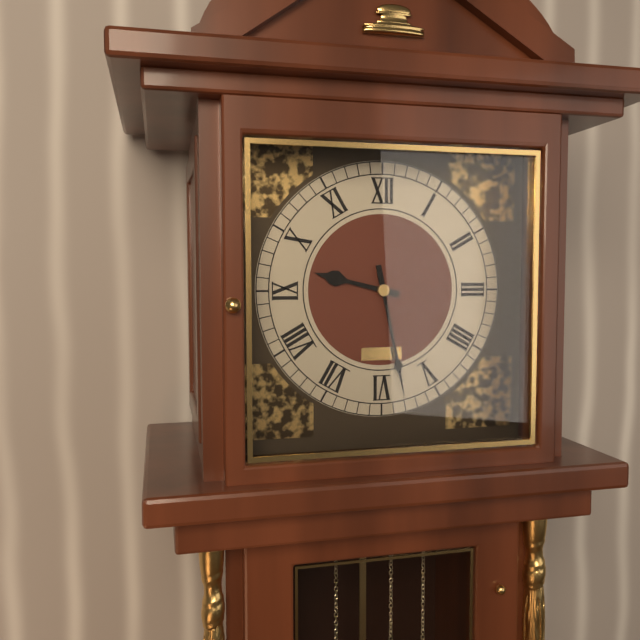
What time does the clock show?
9:28
